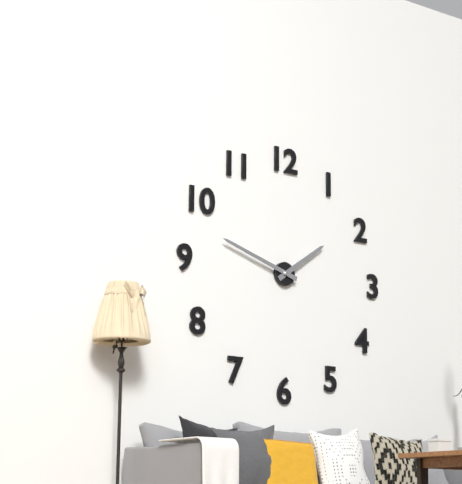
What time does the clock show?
1:48
